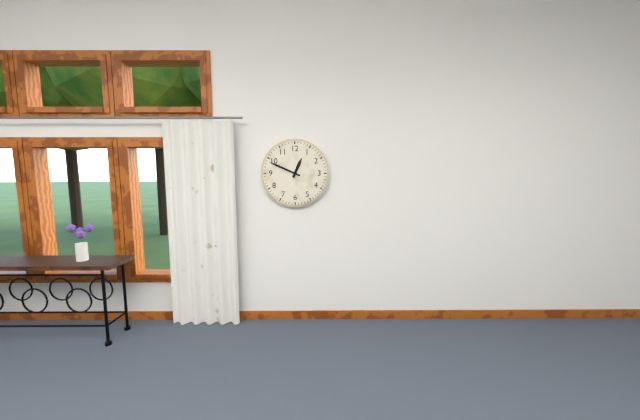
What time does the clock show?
12:49
